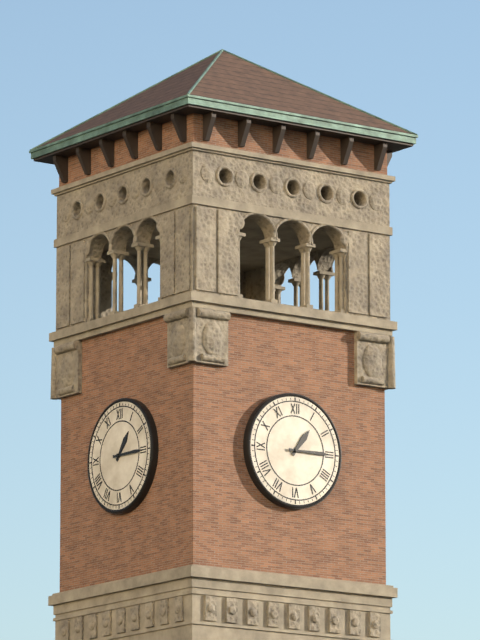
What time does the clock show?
1:15
